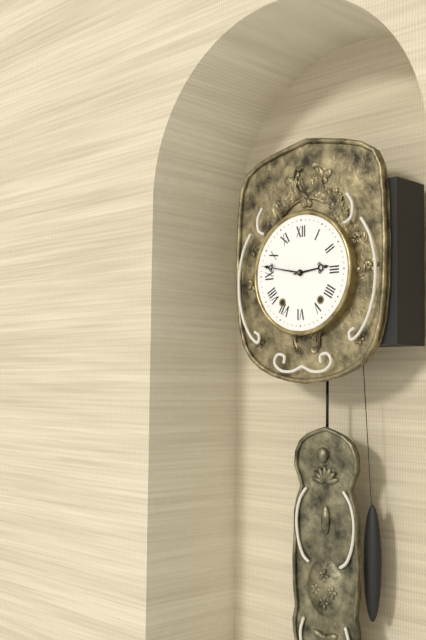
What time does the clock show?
2:47
